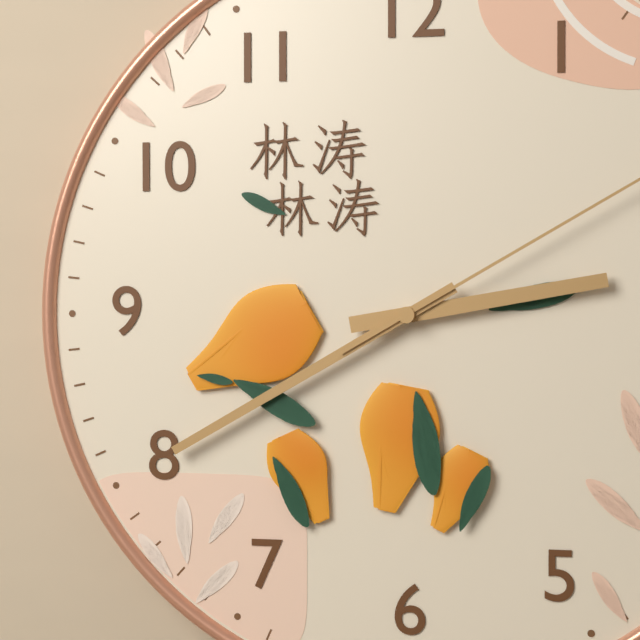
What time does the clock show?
2:40
